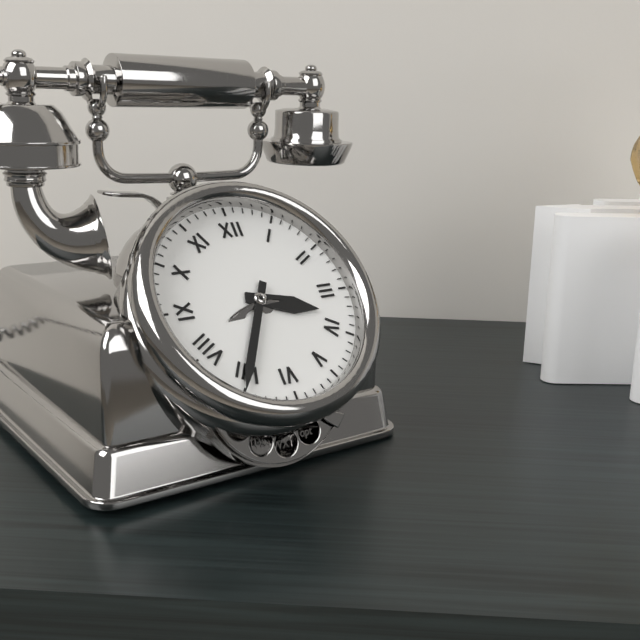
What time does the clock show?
3:35
